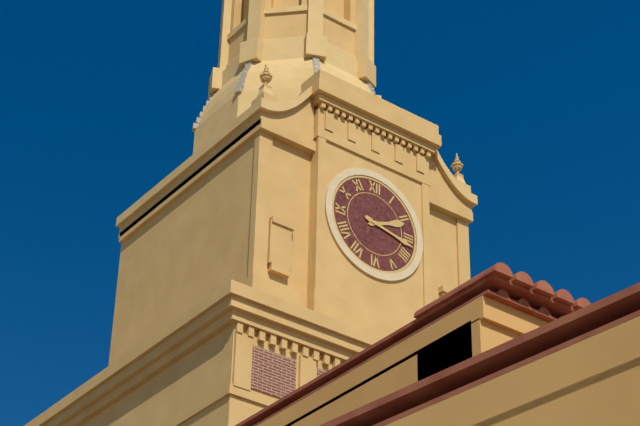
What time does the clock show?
2:17
